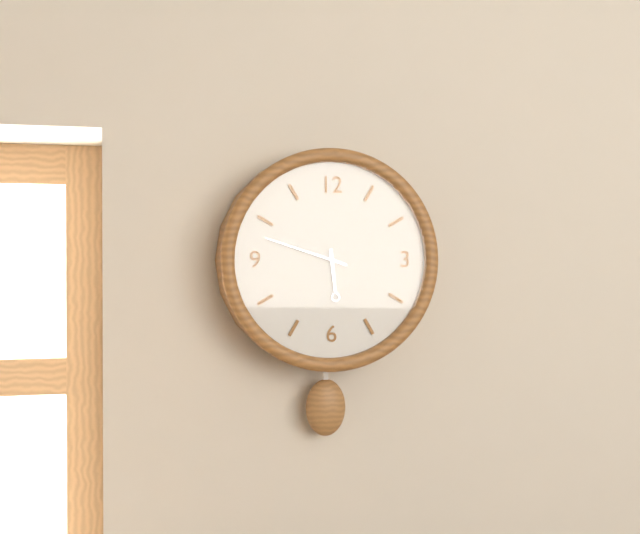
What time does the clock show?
5:48
